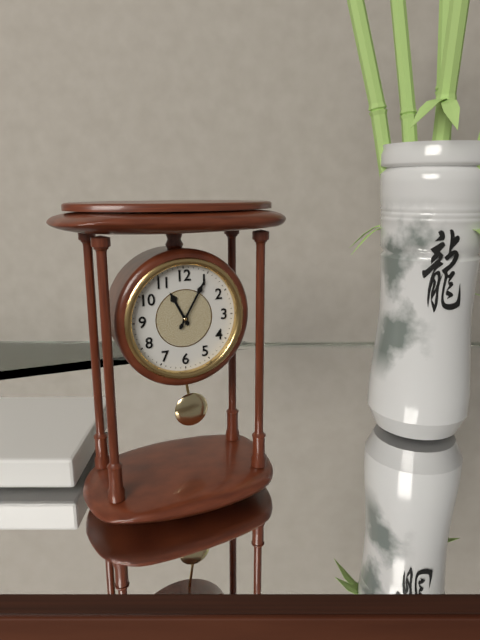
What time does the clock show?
11:05
